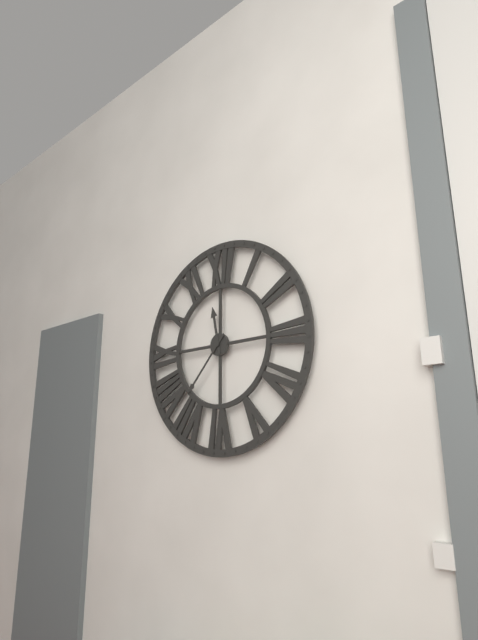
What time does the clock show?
11:37
